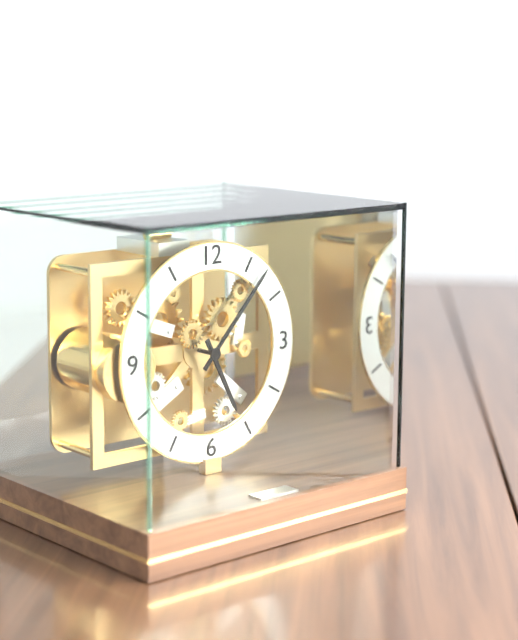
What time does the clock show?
5:07
